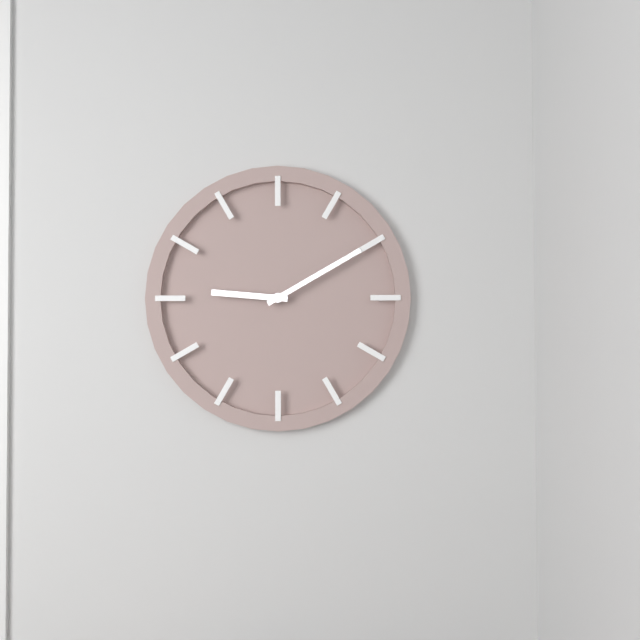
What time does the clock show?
9:10
